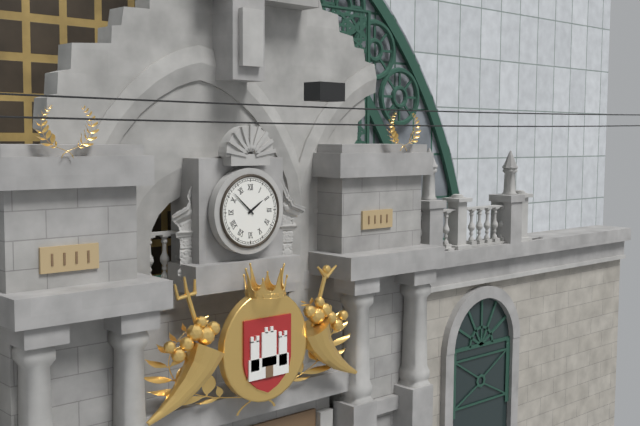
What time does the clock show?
1:52
